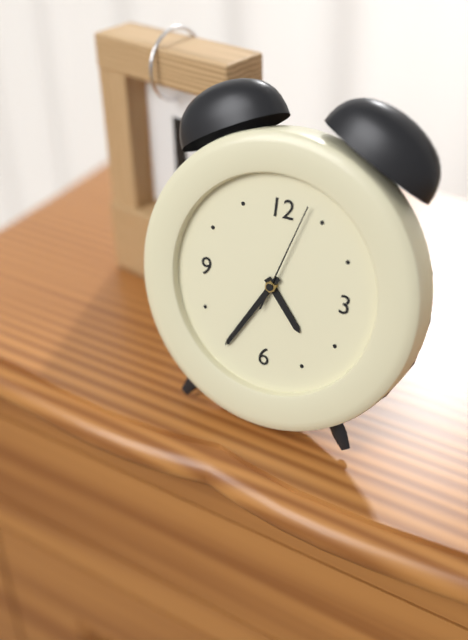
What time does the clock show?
4:35:03
